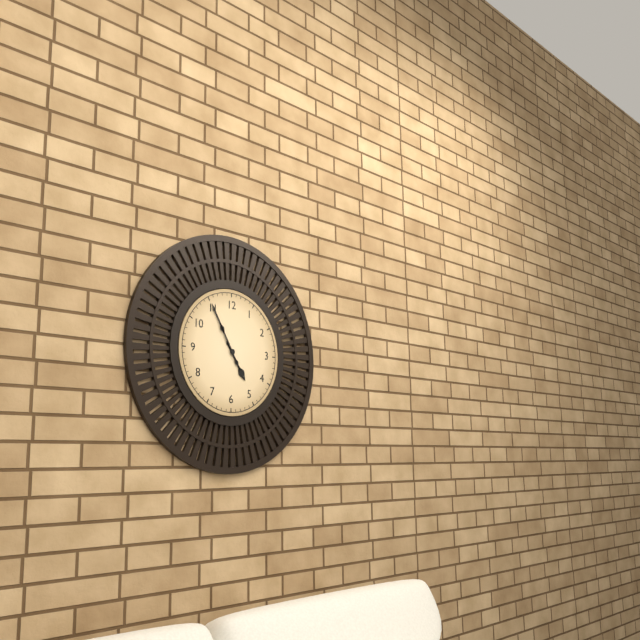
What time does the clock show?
4:55
